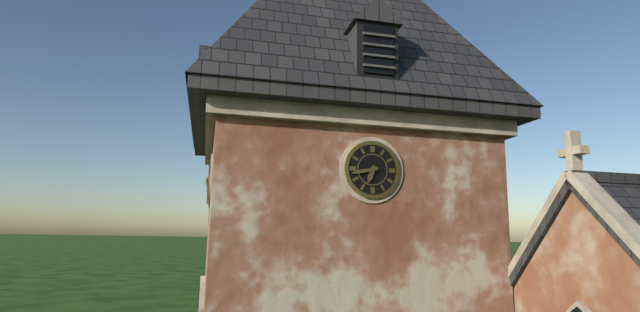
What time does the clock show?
6:43
